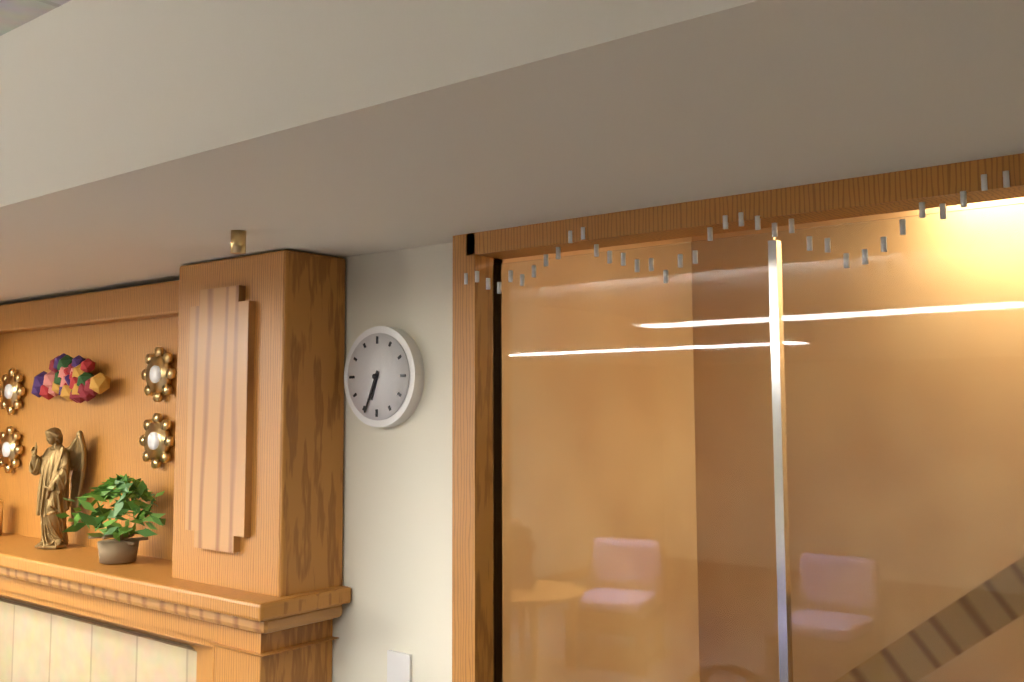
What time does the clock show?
6:34
